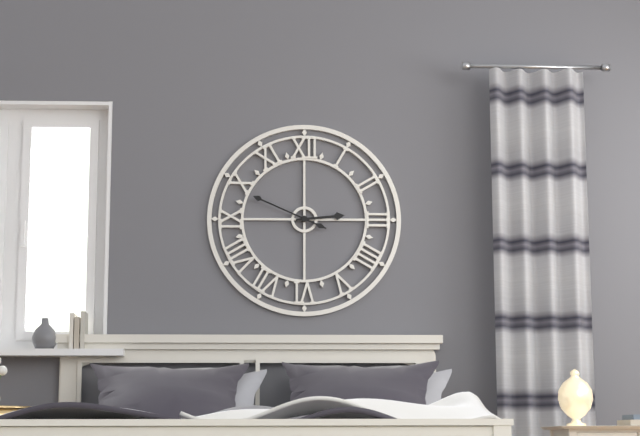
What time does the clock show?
2:49
